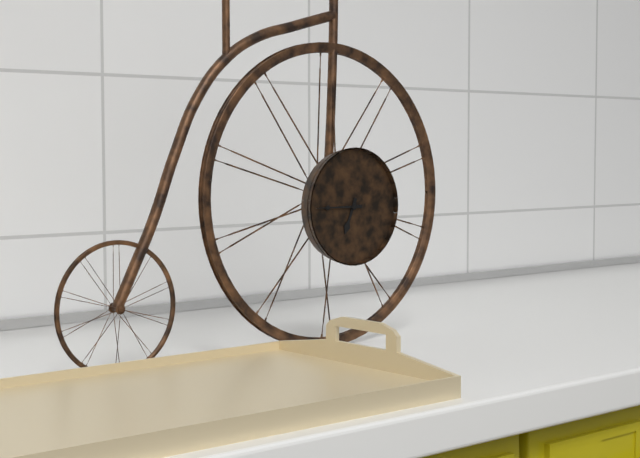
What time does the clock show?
6:45
